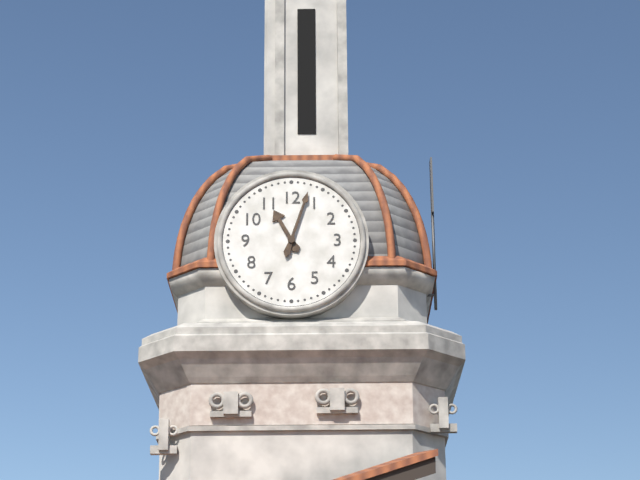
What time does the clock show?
11:03
